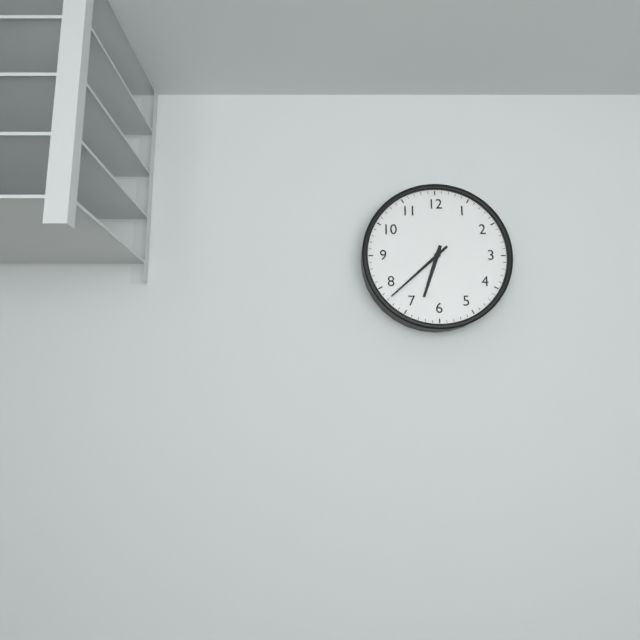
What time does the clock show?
6:38
